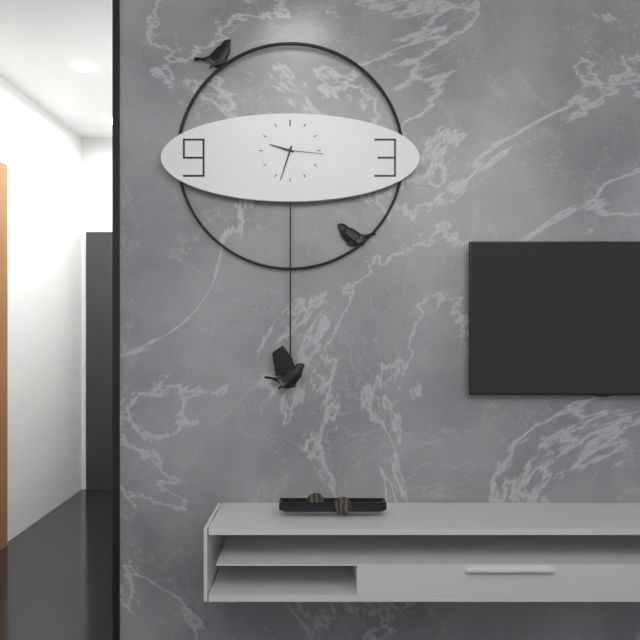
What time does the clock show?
9:33
